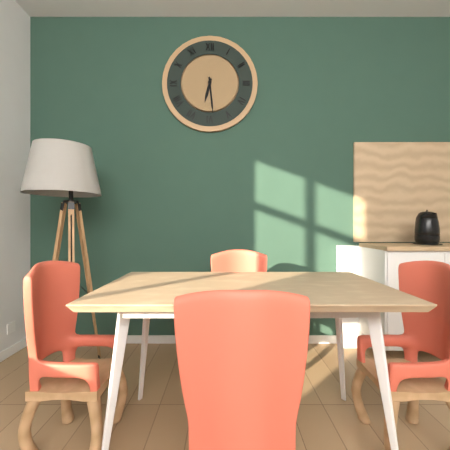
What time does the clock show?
6:29
